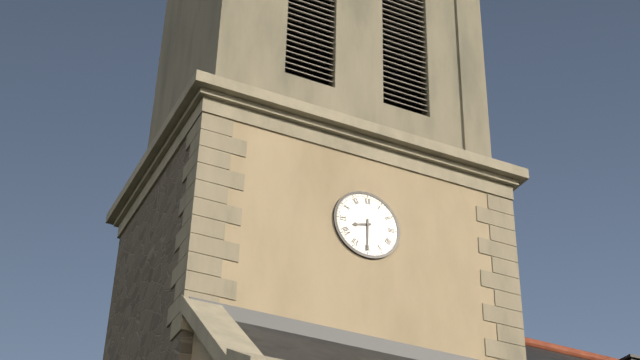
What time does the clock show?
8:30
